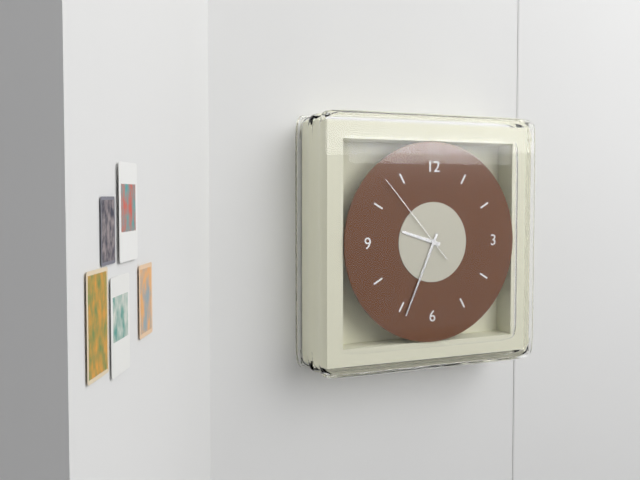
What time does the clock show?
9:34:53
